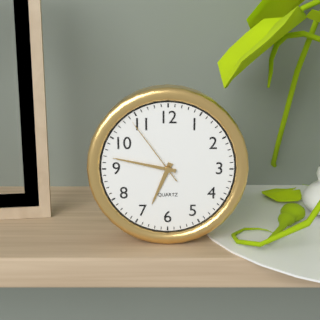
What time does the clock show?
6:47:54
